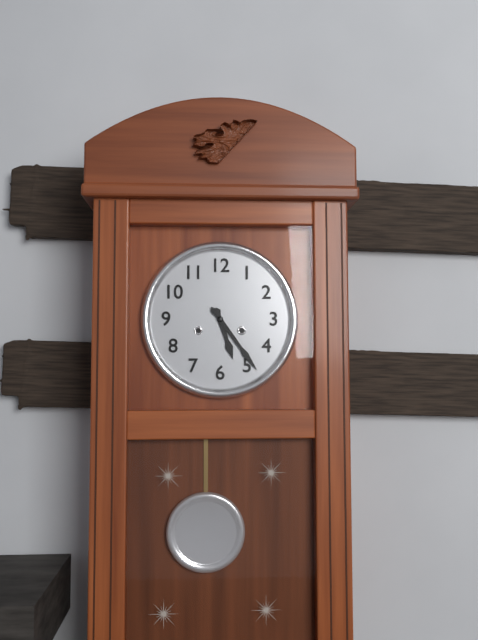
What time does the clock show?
5:24
